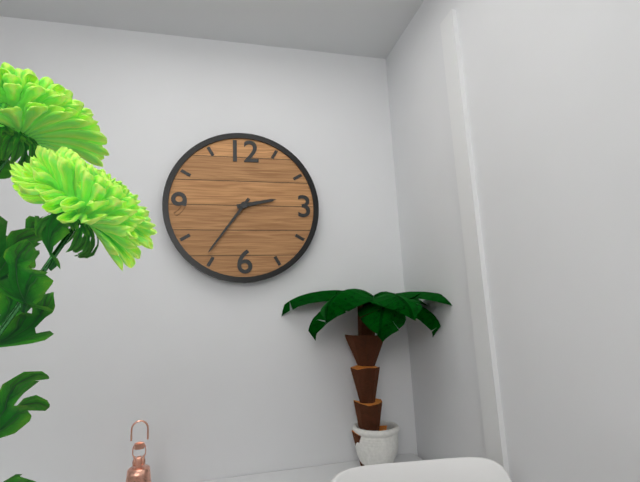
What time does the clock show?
2:36
